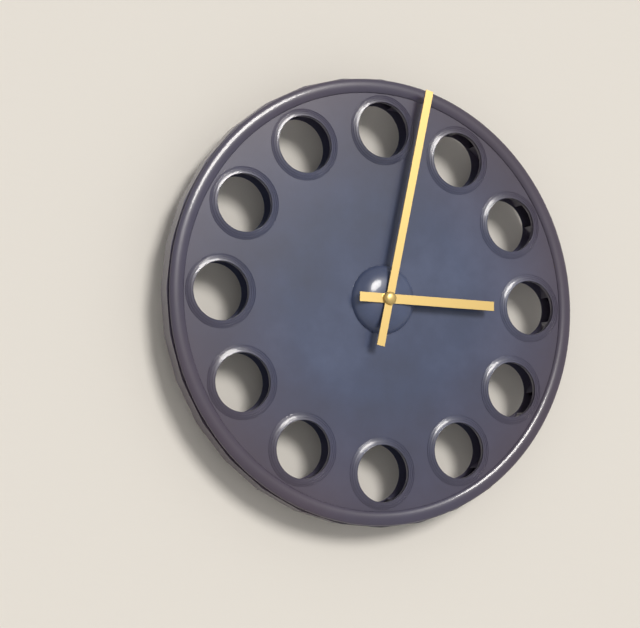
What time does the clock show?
3:02
